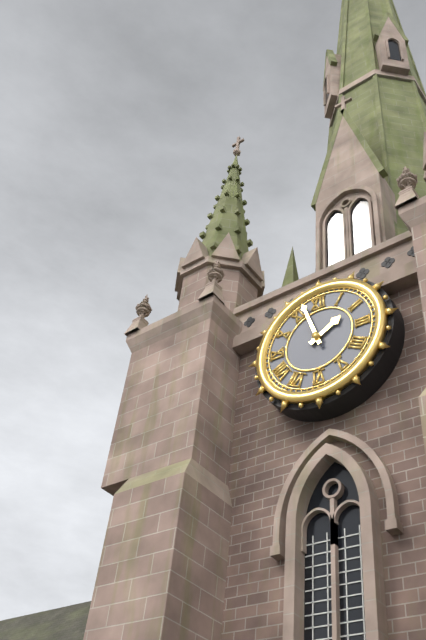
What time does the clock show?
1:57
